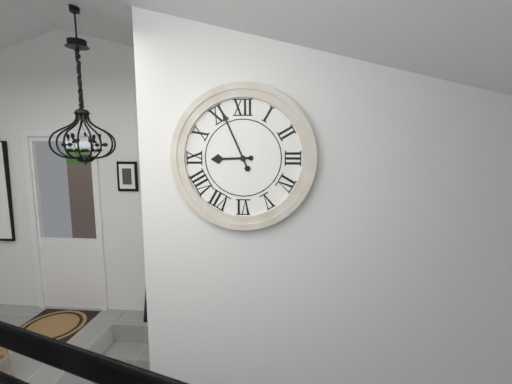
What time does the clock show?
8:56
